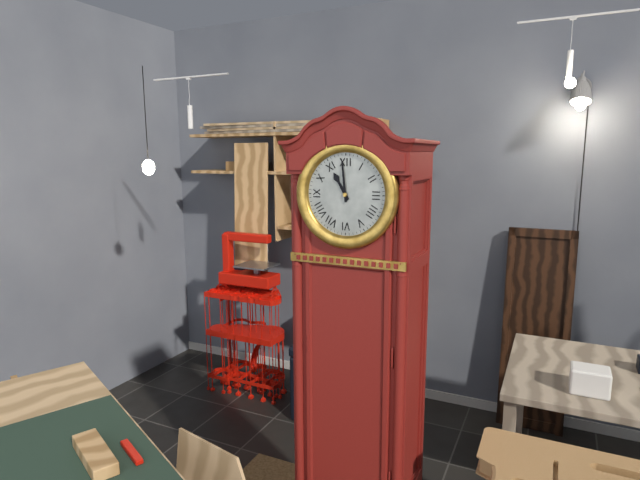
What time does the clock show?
10:59
